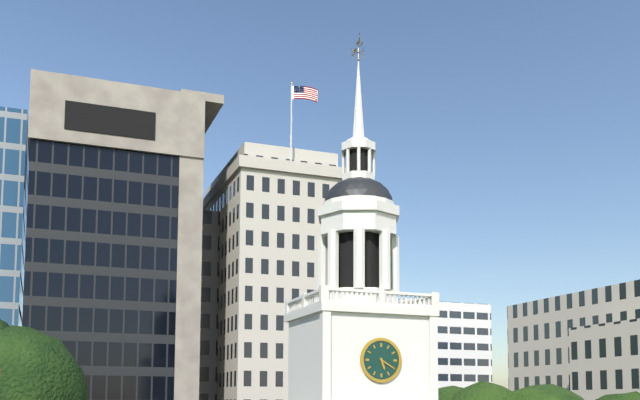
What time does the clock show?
5:20
